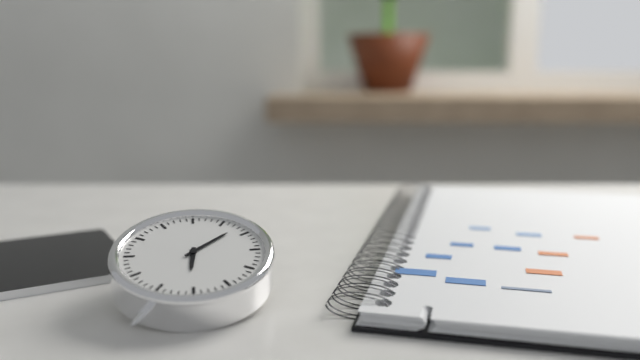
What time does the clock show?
6:08
